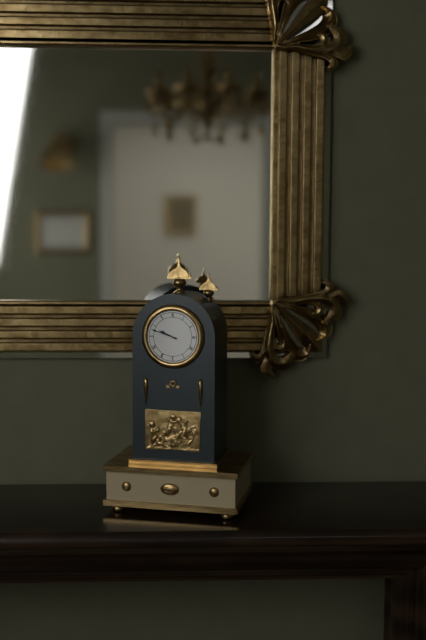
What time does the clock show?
9:48
